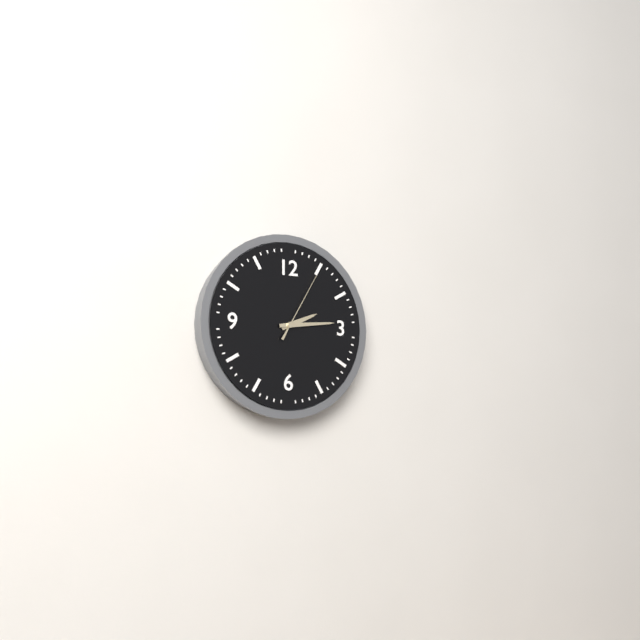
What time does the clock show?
2:14:05
